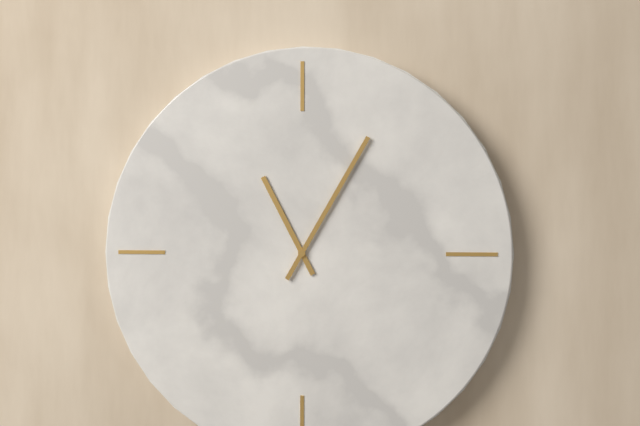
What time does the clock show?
11:05
